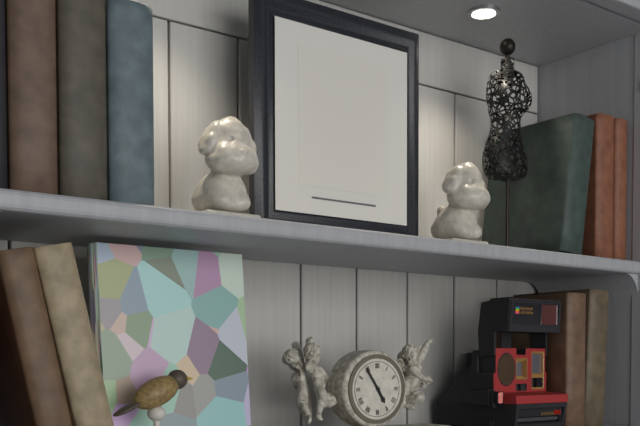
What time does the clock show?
4:54
